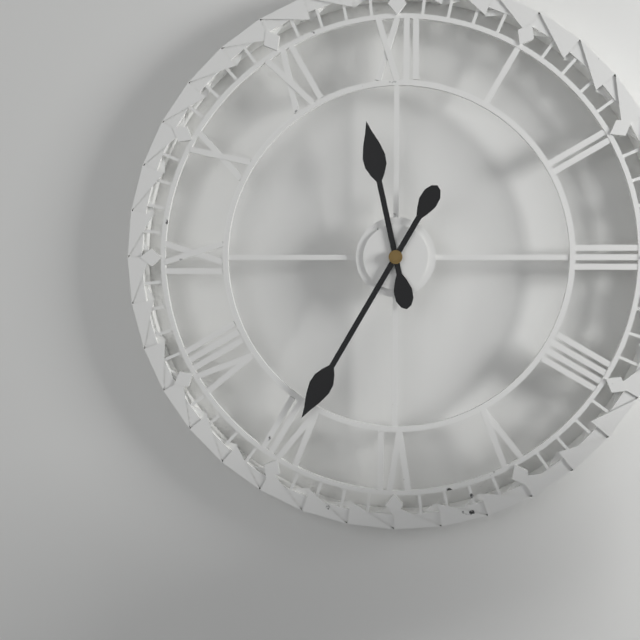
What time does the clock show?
11:35
